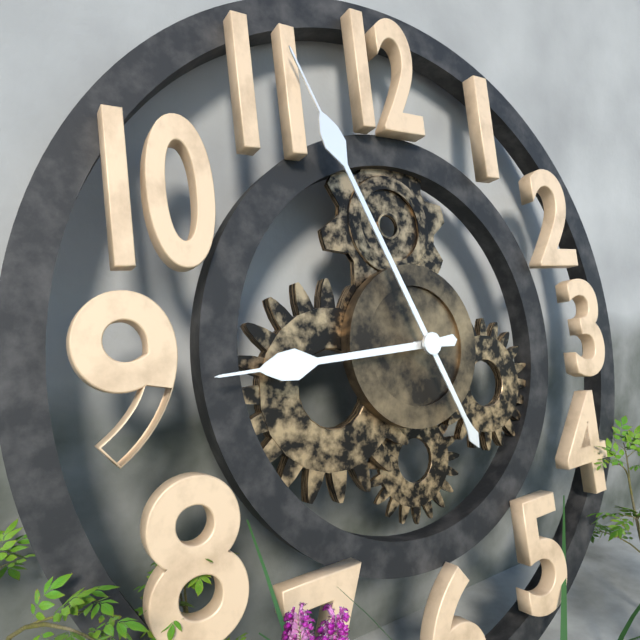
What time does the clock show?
8:56
